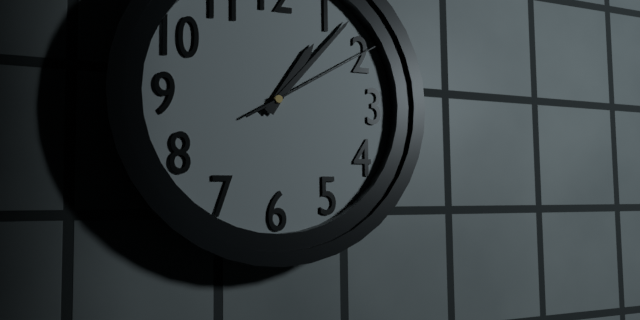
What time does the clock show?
1:07:10
